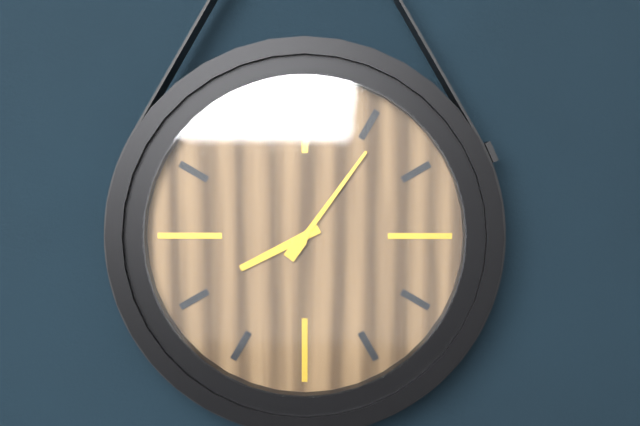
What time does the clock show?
8:06
